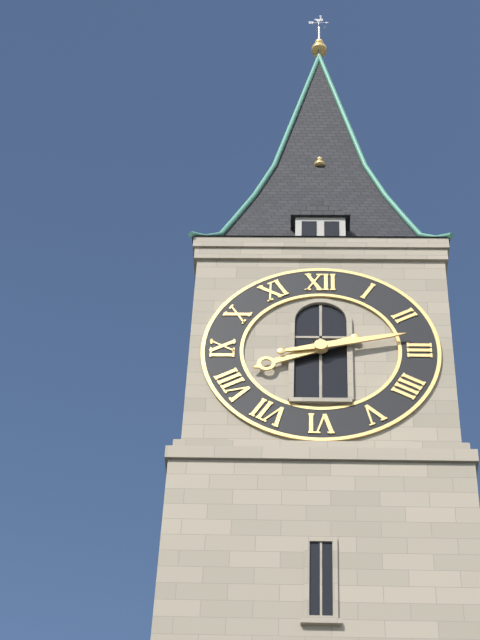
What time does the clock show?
8:13
